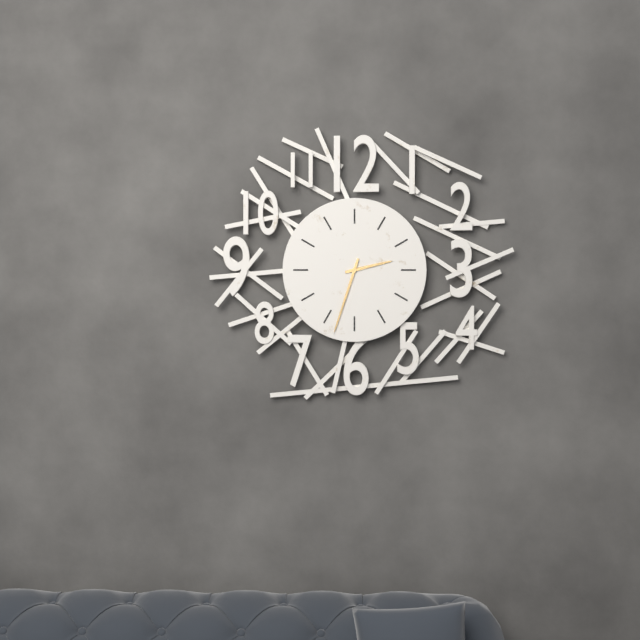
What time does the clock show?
2:33
